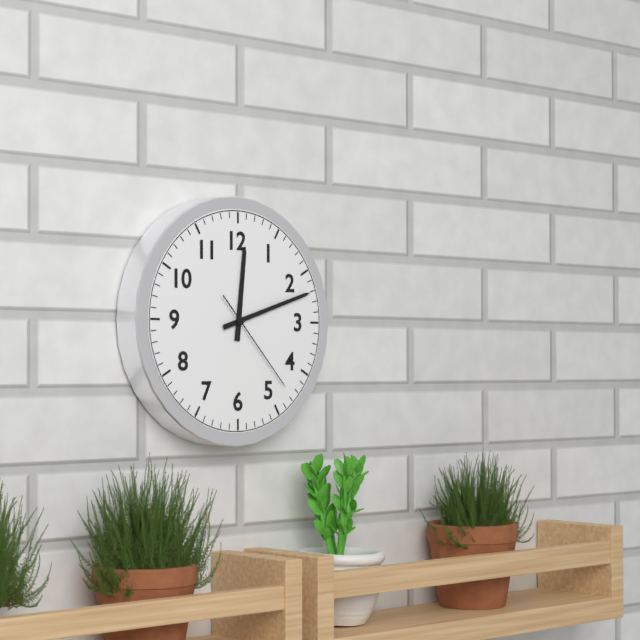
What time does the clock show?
12:12:23
